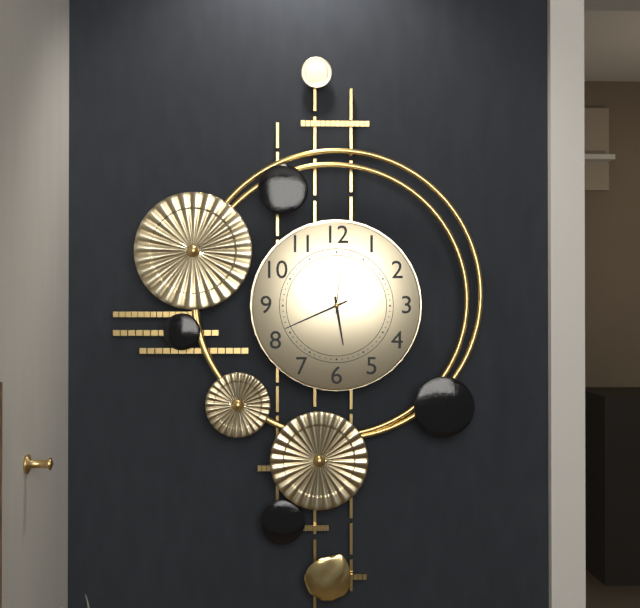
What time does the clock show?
5:41
